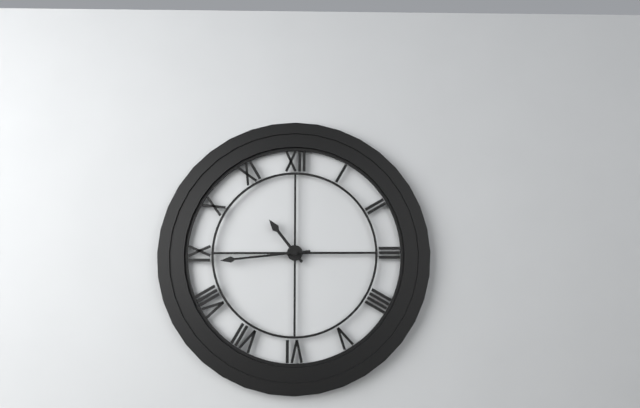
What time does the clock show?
10:44
